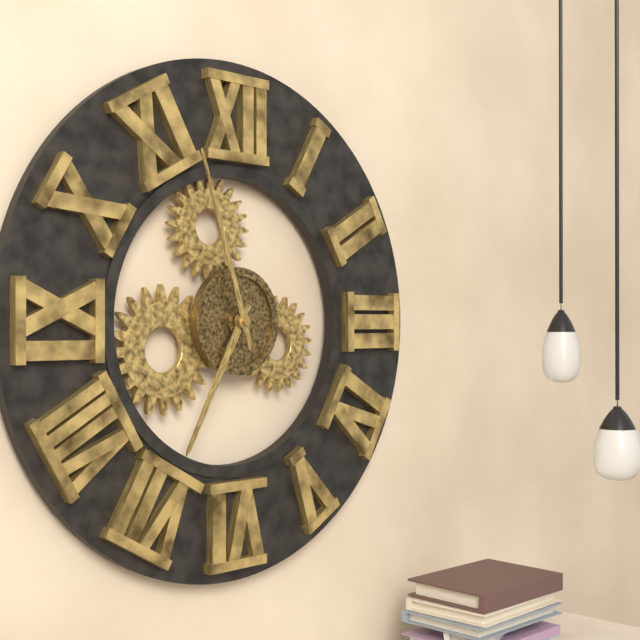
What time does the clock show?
6:57
